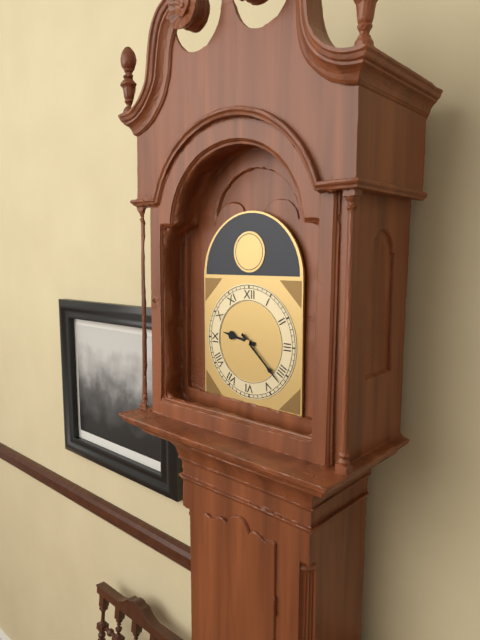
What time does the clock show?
9:22
